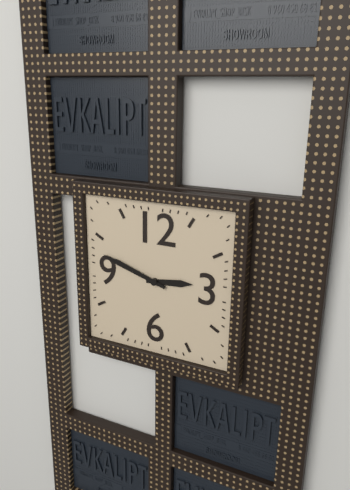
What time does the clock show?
2:48
